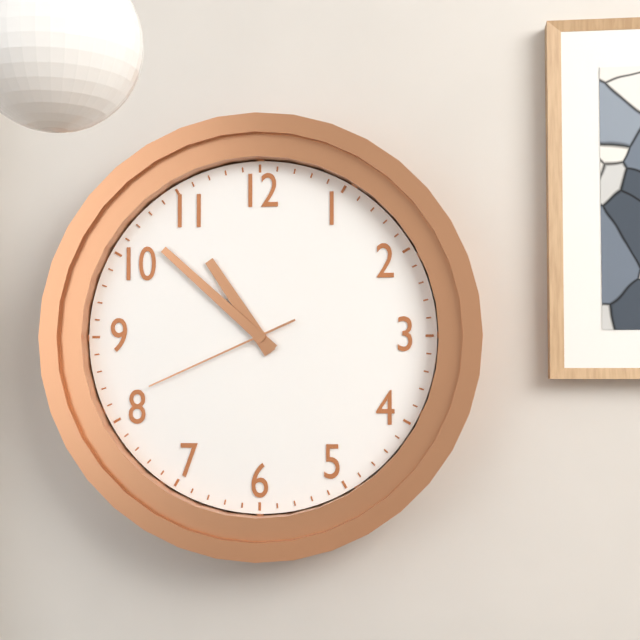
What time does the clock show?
10:52:41
